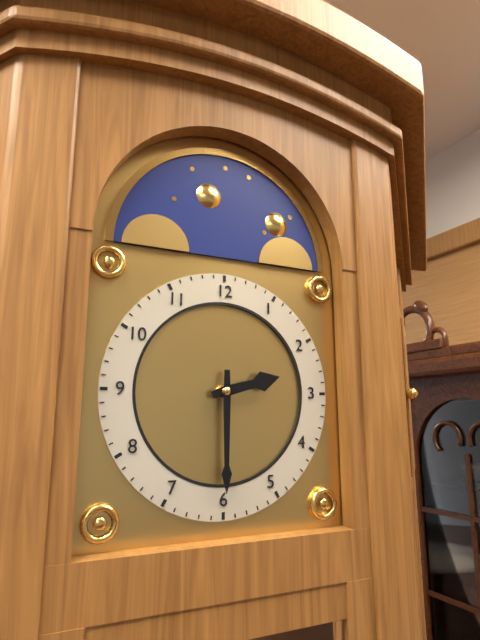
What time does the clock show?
2:30
